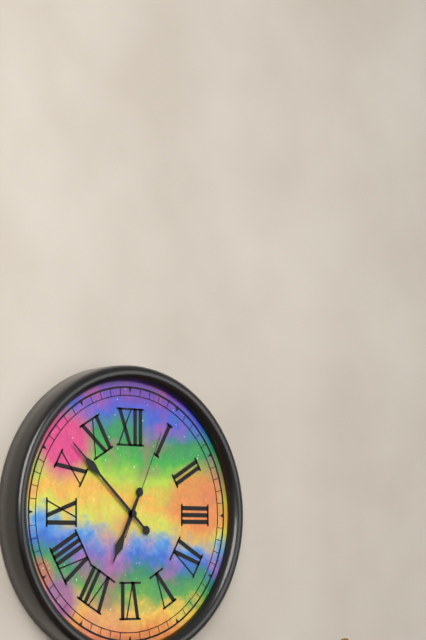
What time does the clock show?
6:52:04
